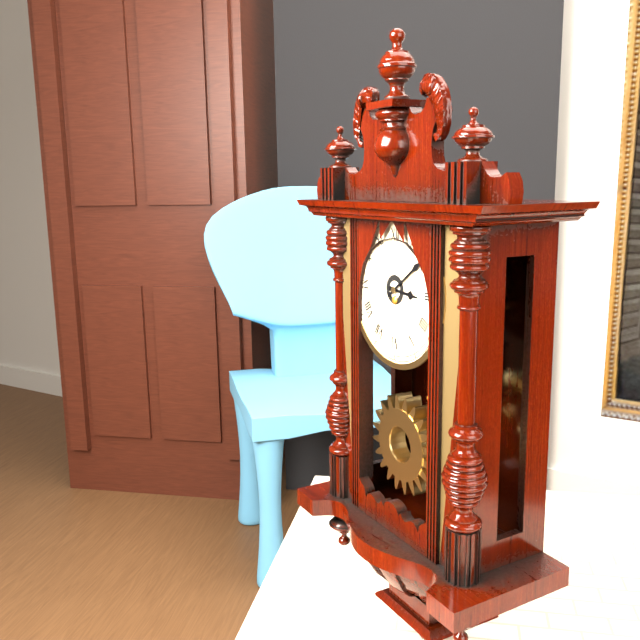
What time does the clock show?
3:09
